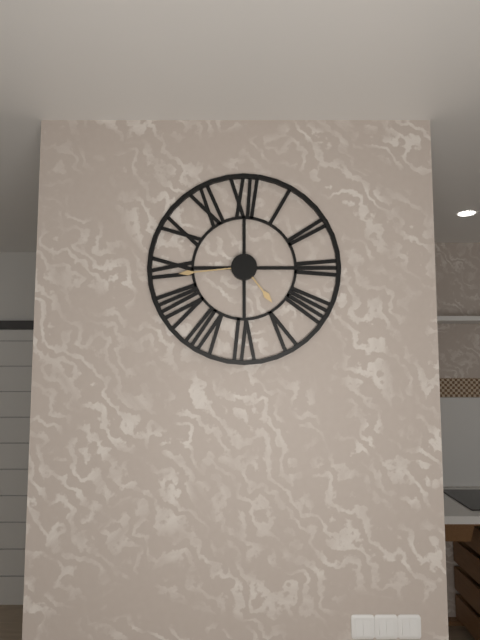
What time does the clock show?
4:44
